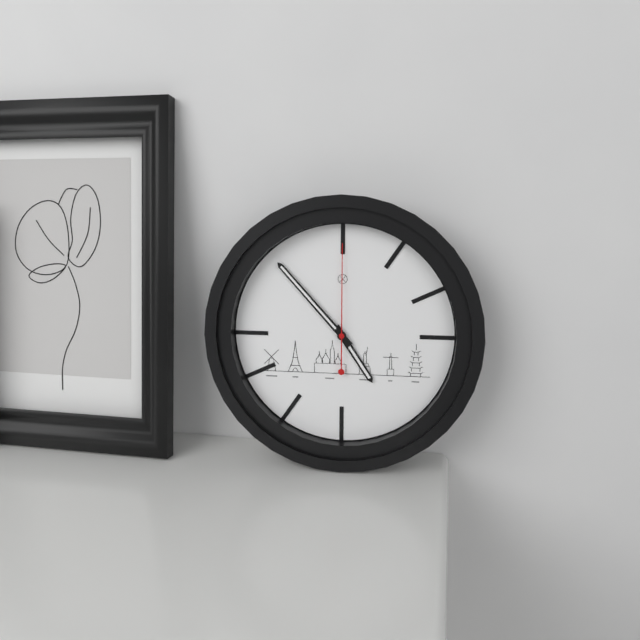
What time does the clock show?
4:53:00
